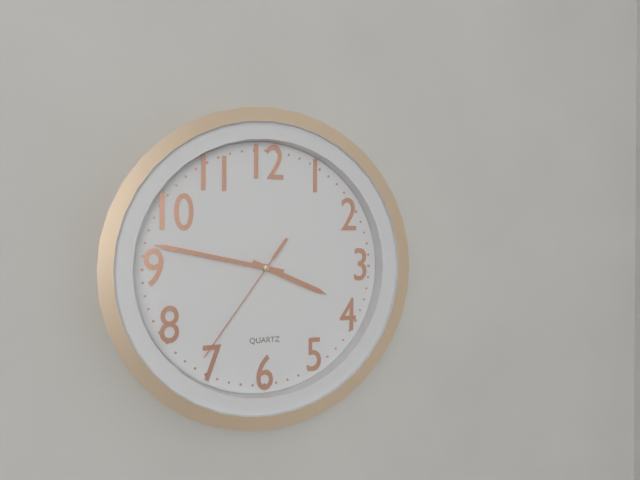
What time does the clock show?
3:47:36
